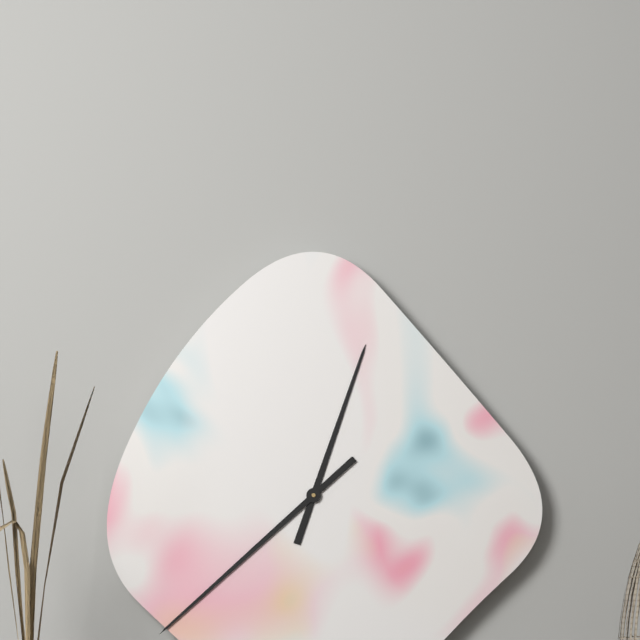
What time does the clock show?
12:38
